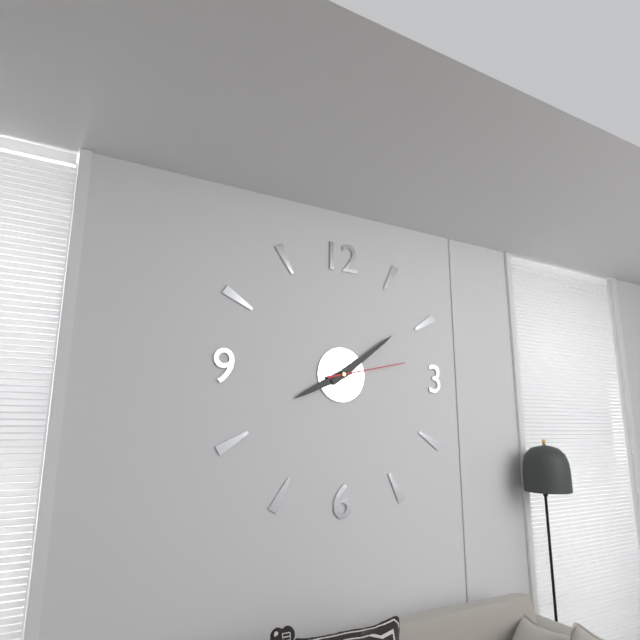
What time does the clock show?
8:09:13
